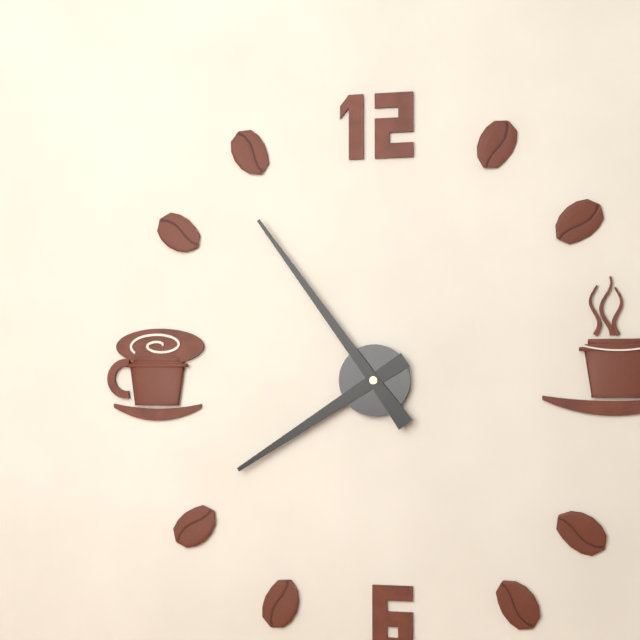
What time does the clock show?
7:54
